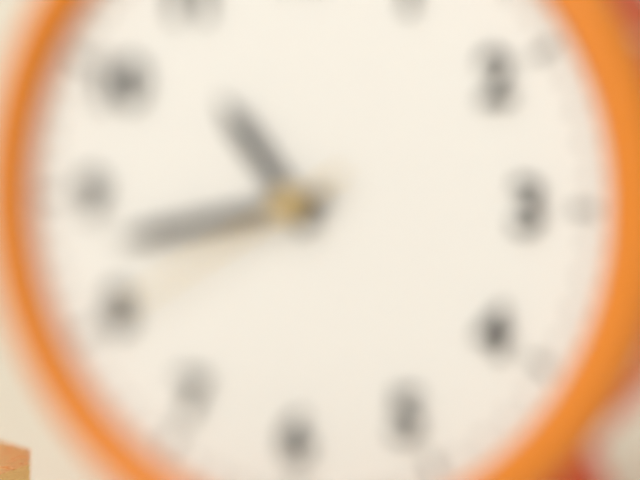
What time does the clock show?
10:43:40
